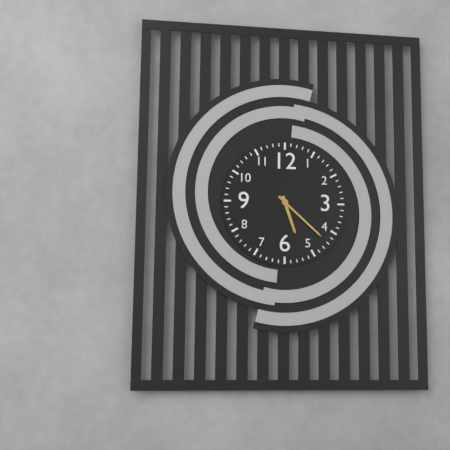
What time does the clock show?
5:22
